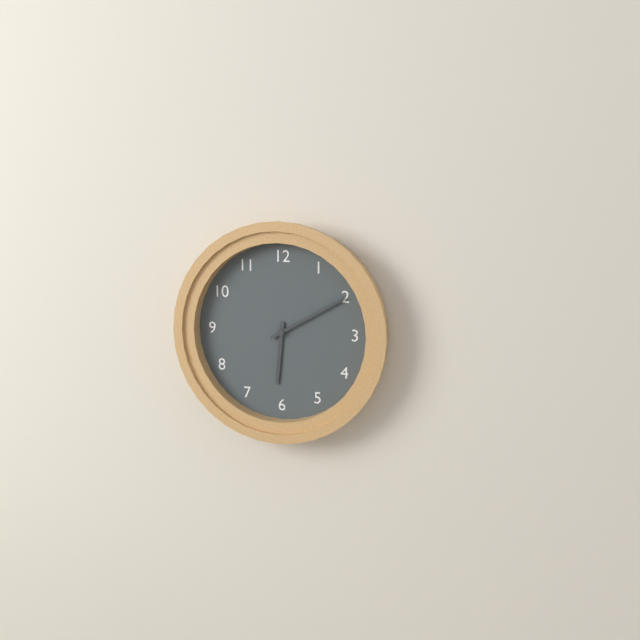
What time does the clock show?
6:10
